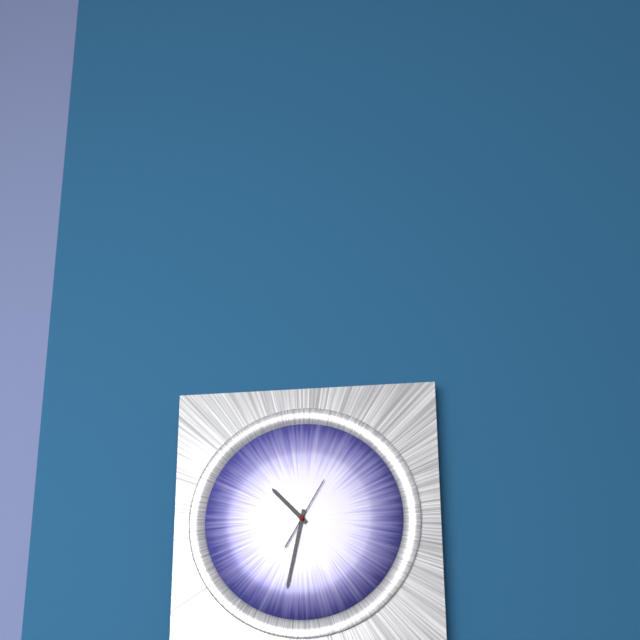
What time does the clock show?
10:32:05
